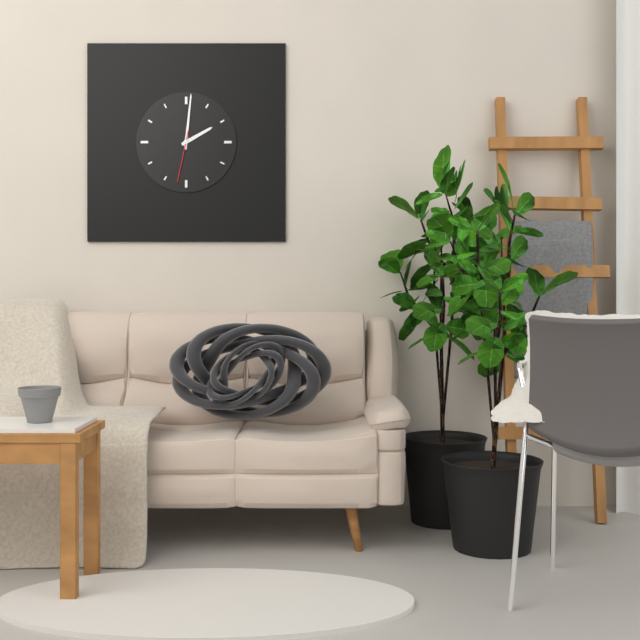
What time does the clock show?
2:01:32
